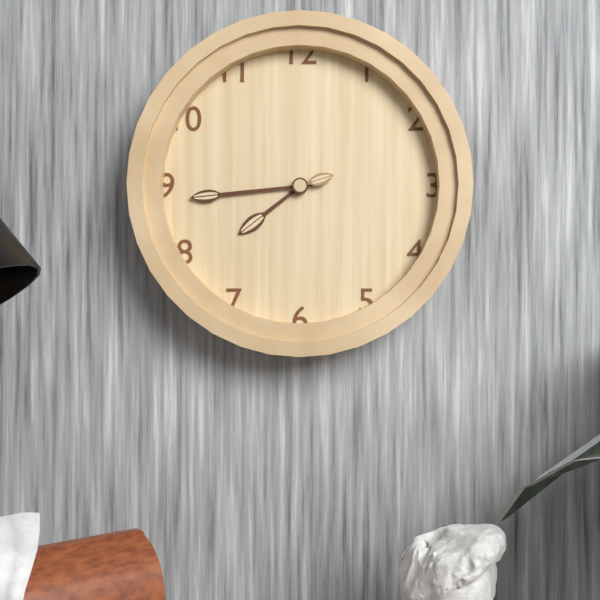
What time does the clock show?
7:44
